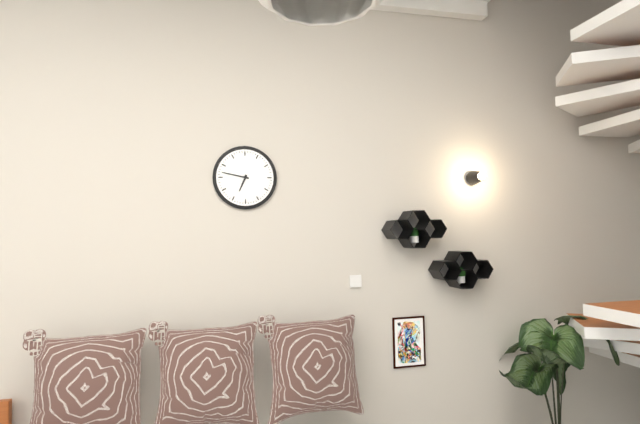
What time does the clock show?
6:47
